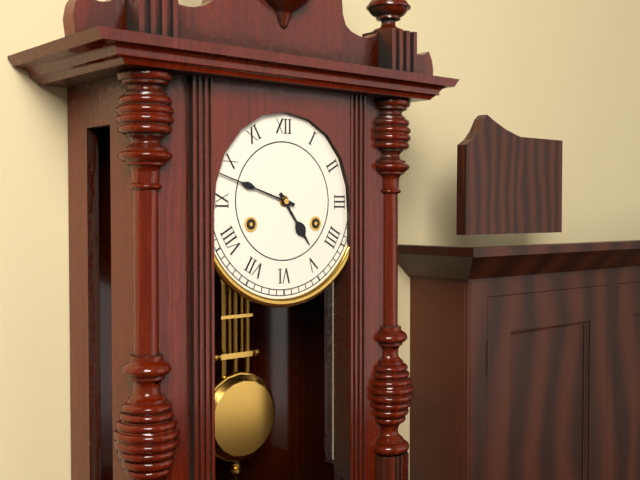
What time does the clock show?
4:48
